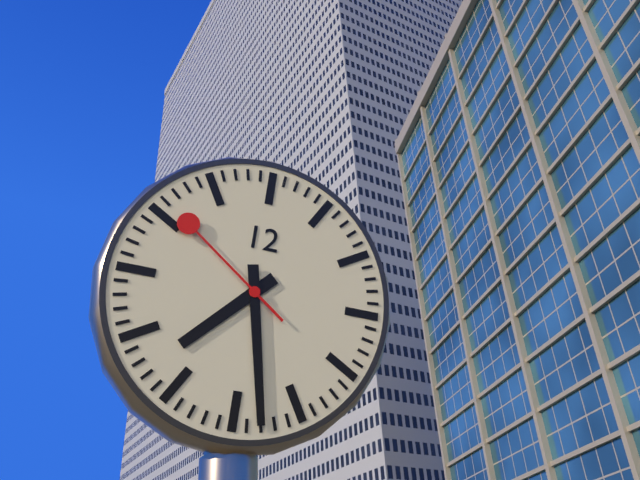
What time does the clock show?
7:28:51
